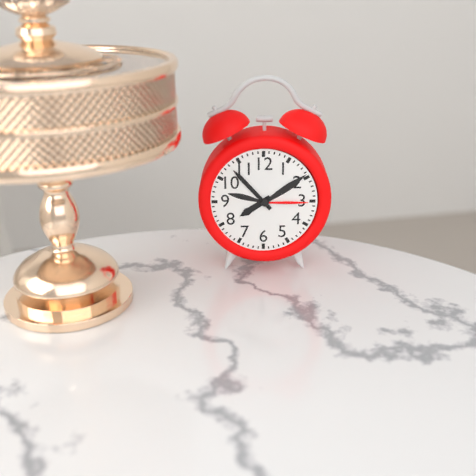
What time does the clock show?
7:53
